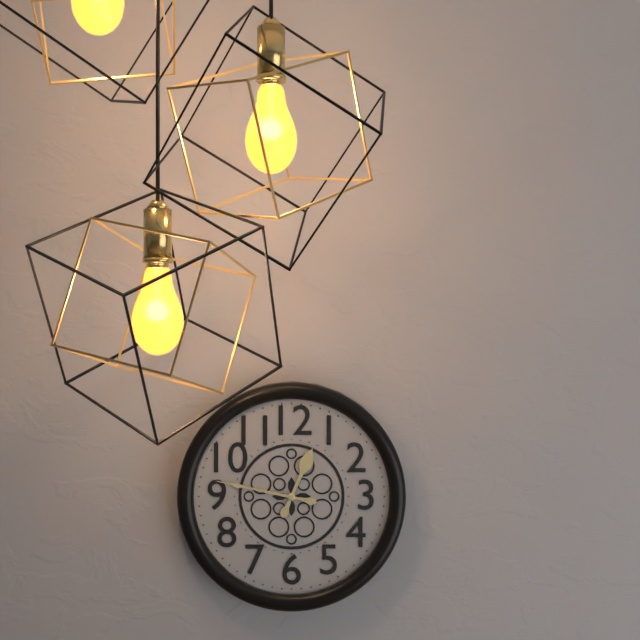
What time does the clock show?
12:47
